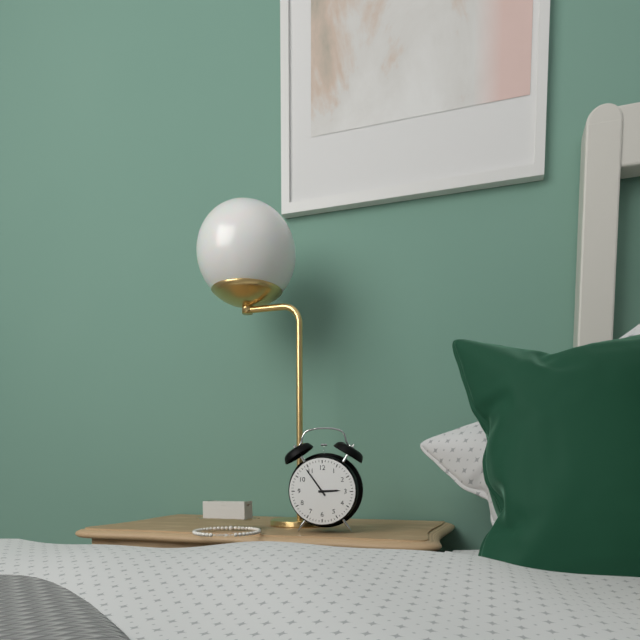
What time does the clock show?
2:54
